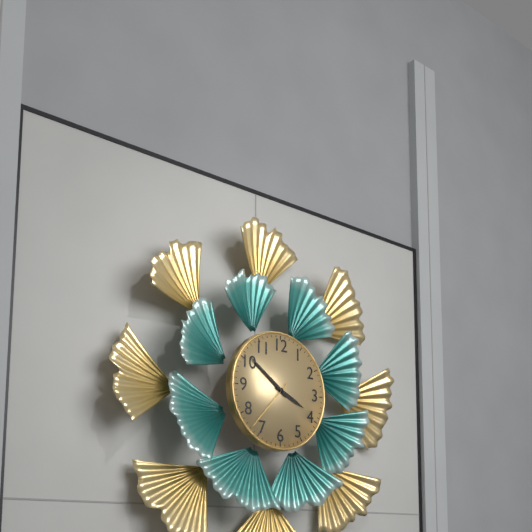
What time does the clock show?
3:51:37
